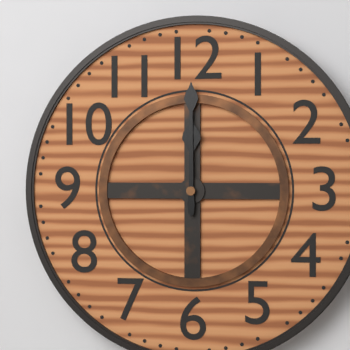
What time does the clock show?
12:00
